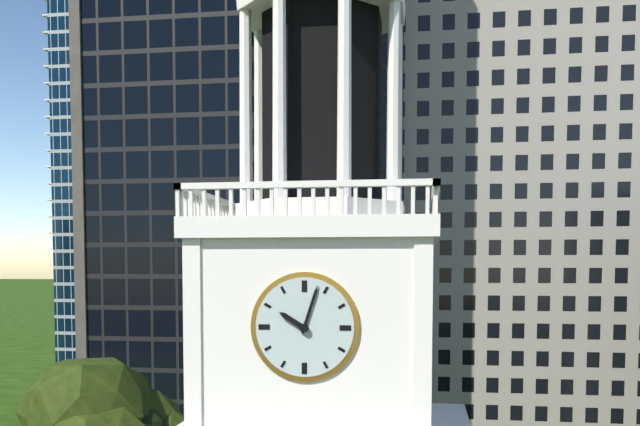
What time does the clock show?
10:03
